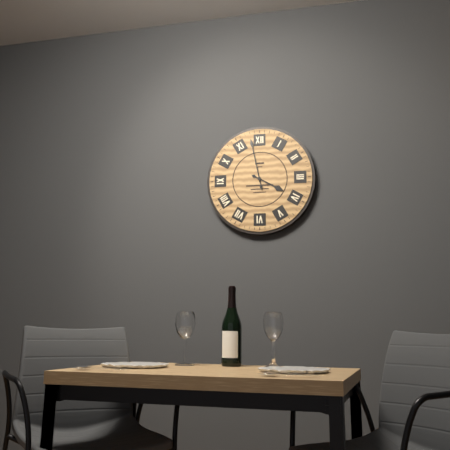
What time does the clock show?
3:58
